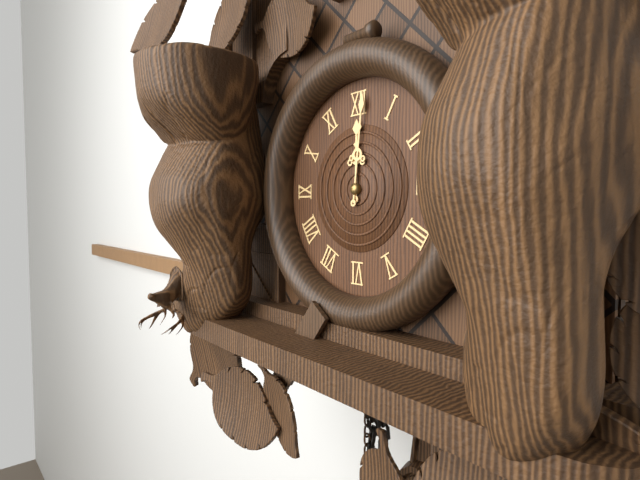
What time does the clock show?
12:01
